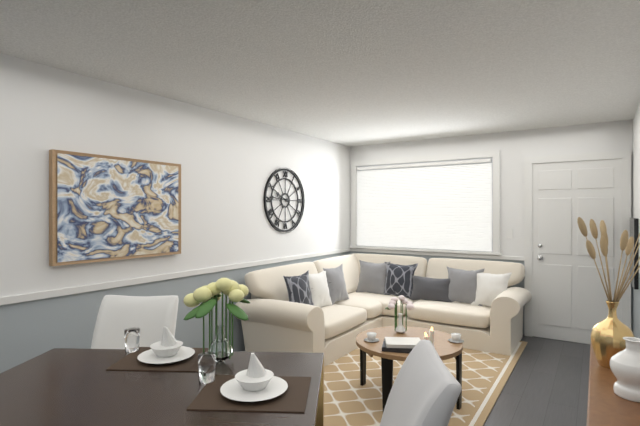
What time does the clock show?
9:46
